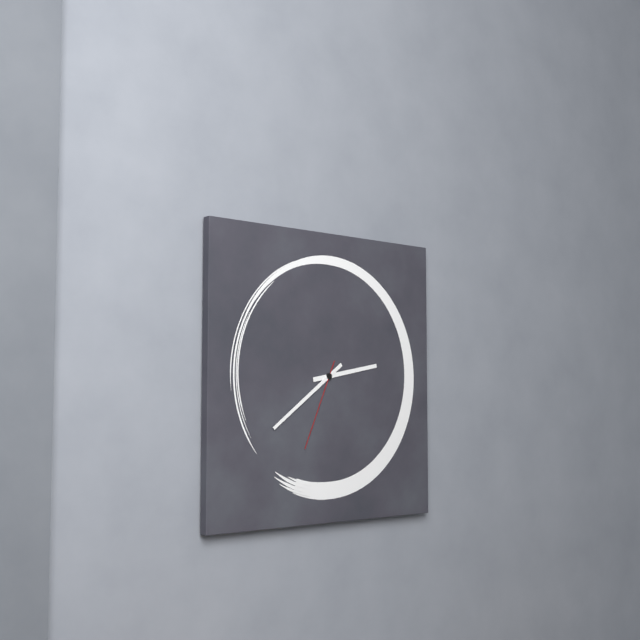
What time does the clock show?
2:39:34
